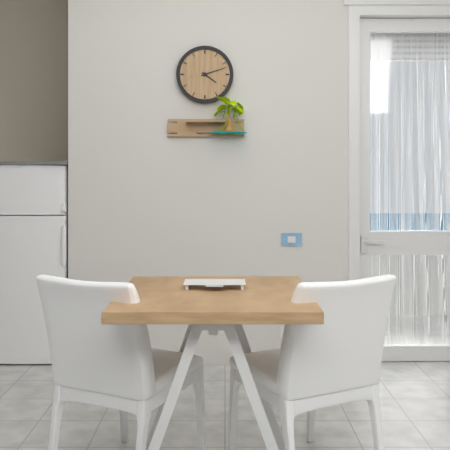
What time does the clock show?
4:12
